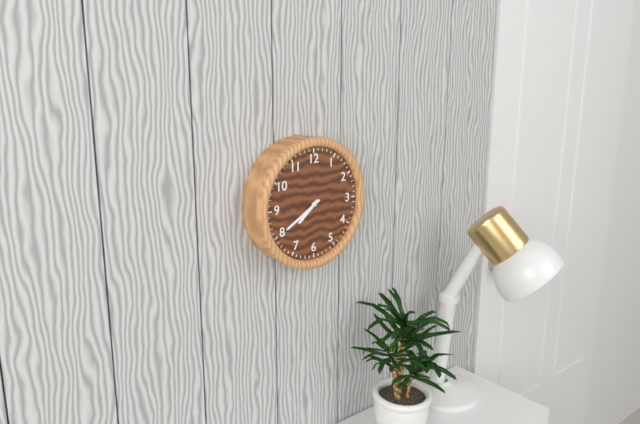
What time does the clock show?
7:40
